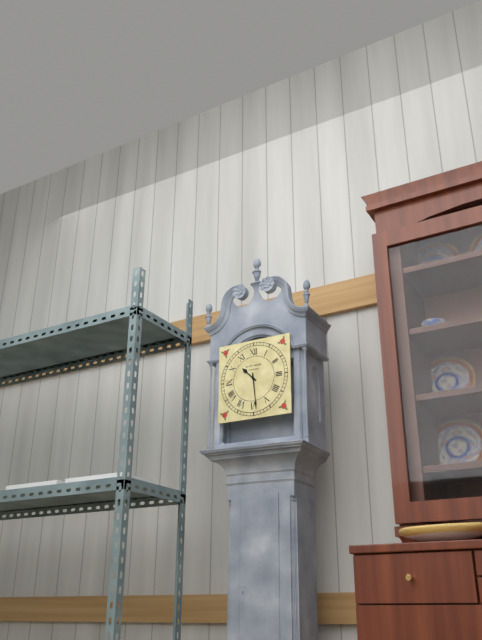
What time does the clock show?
10:29
